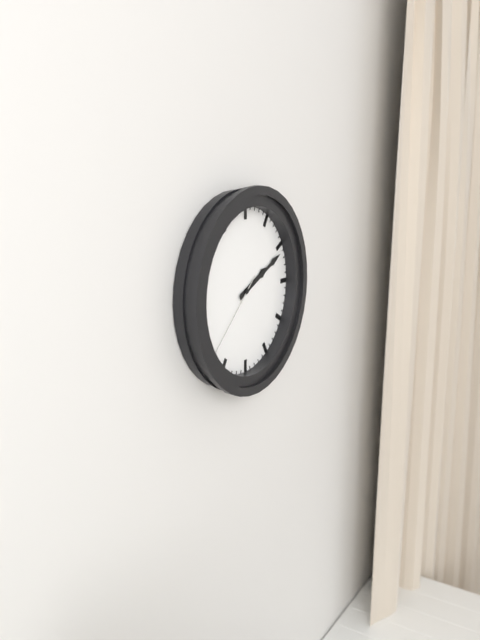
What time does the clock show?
2:11:38
